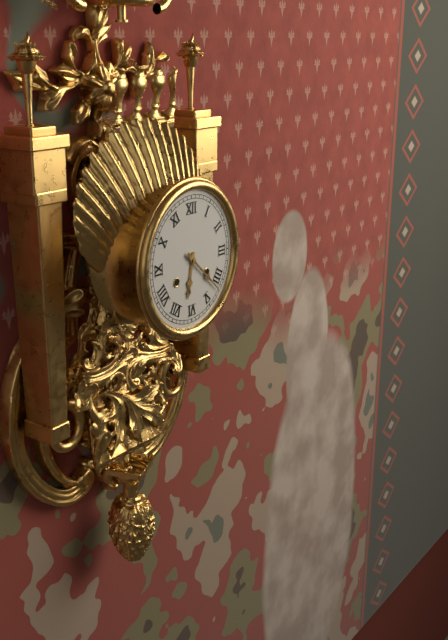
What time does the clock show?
6:22
